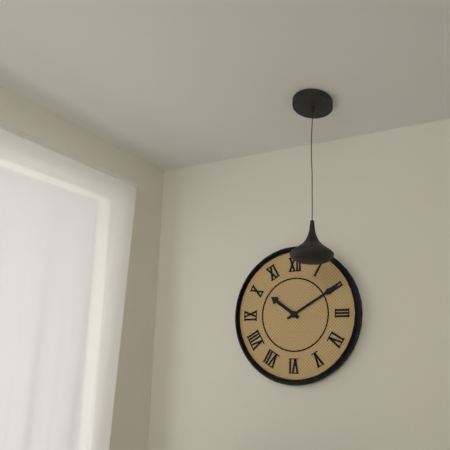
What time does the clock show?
10:10
